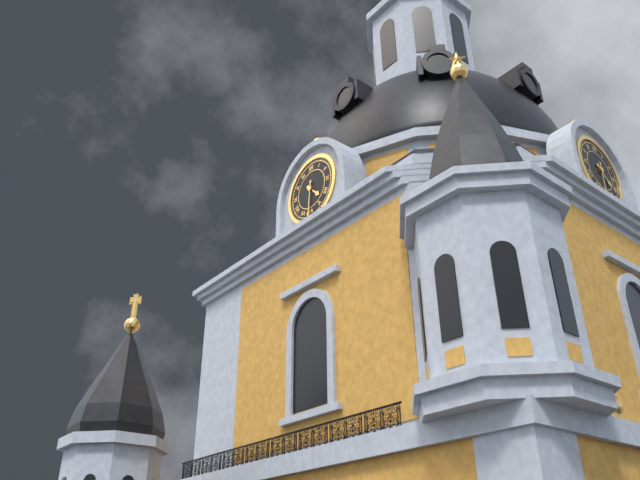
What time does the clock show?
4:31
